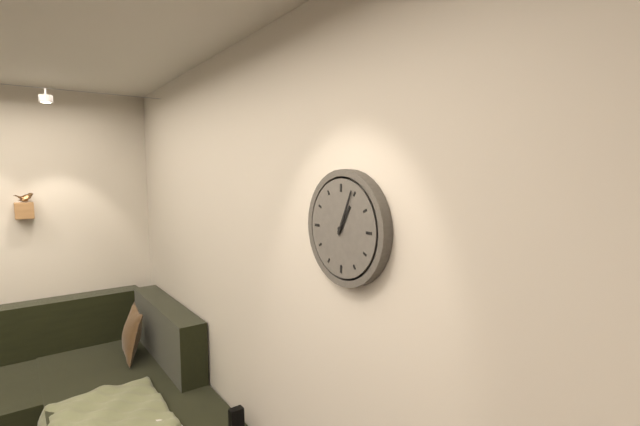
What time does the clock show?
1:04
